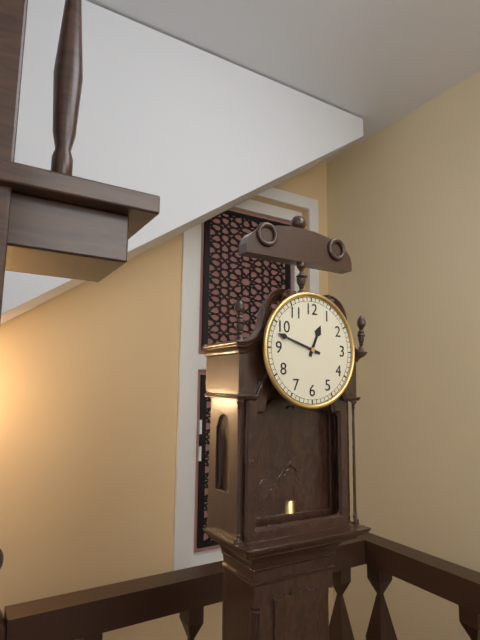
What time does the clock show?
12:48
